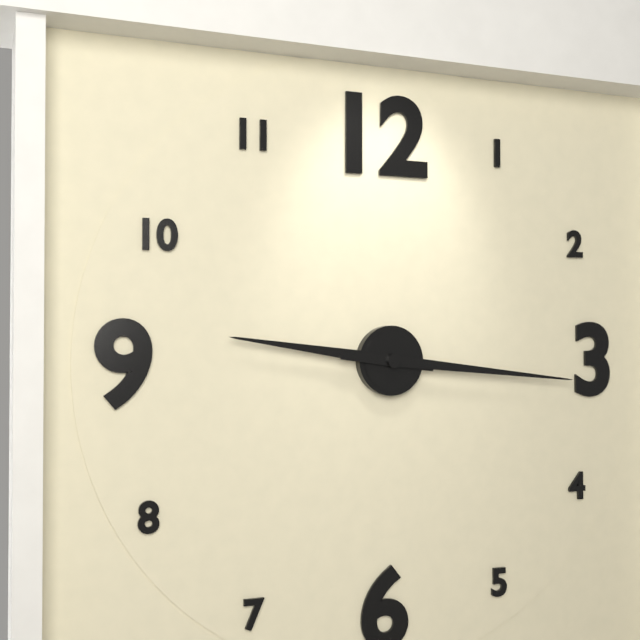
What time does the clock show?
9:16
